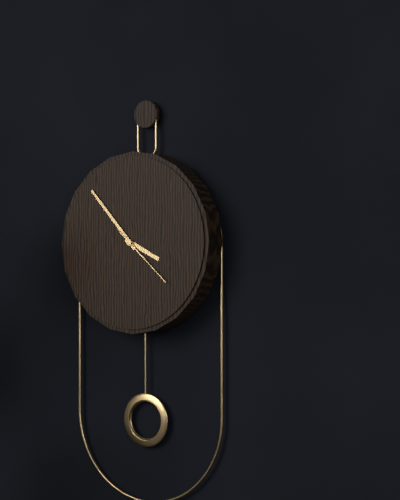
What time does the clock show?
3:53:22
